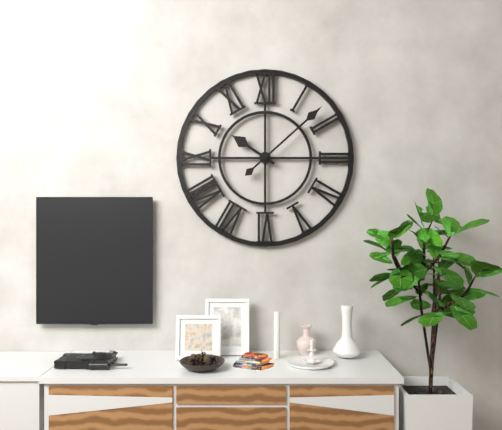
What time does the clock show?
10:08
